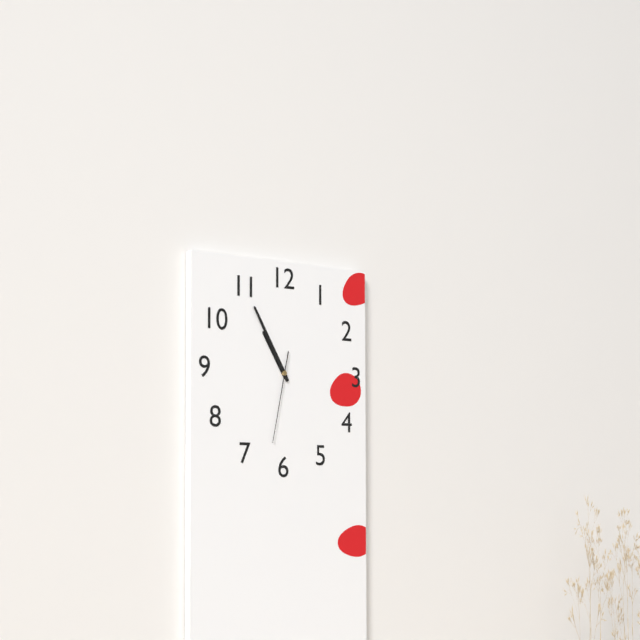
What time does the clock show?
10:55:32
